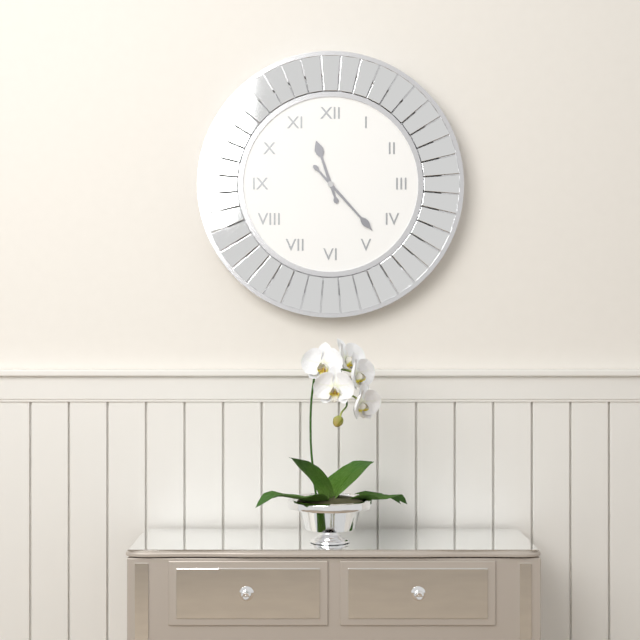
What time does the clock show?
11:23
